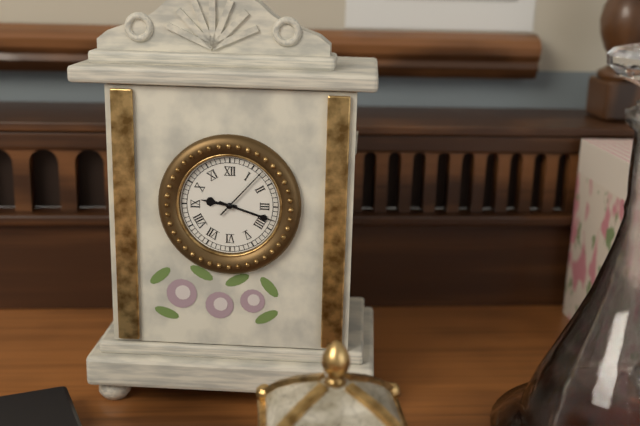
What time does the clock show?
9:18:07
